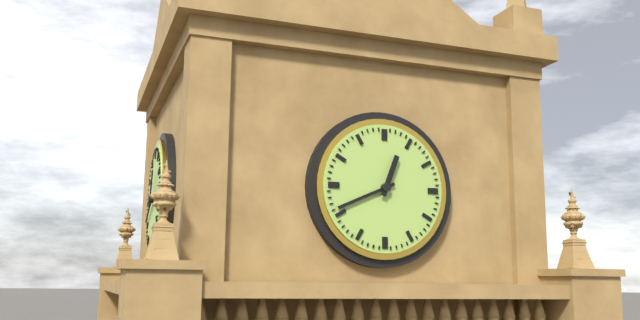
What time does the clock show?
12:41
